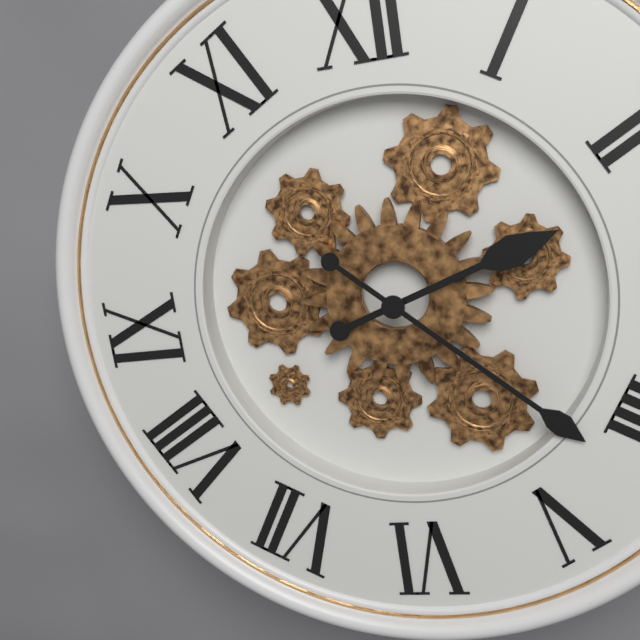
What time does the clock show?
2:22
